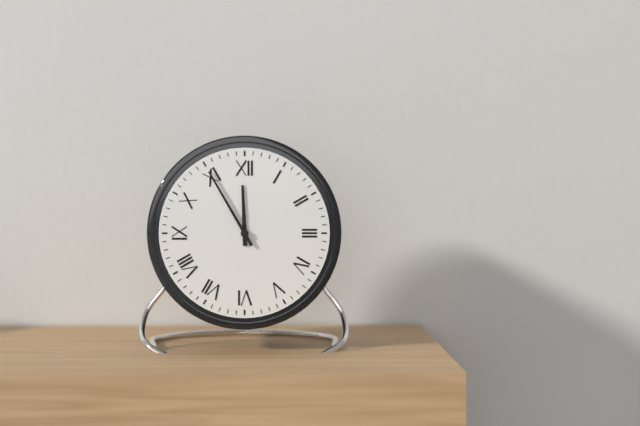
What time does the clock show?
11:55
